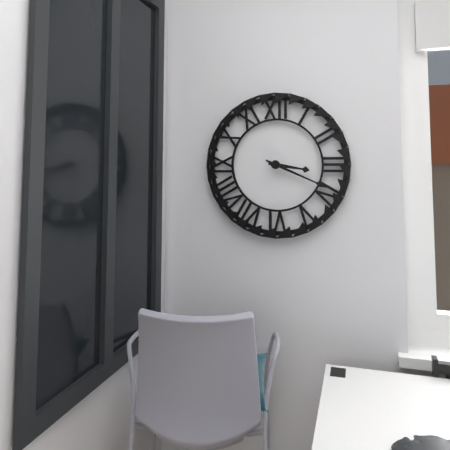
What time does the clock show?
3:19
